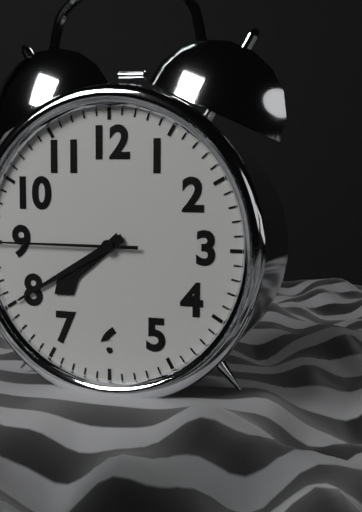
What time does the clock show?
7:40
